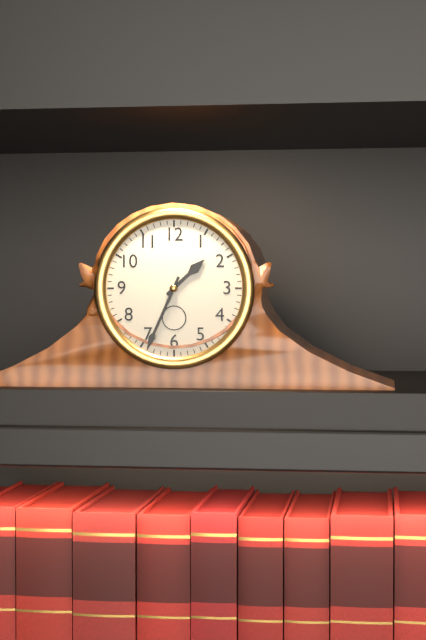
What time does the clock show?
1:34
